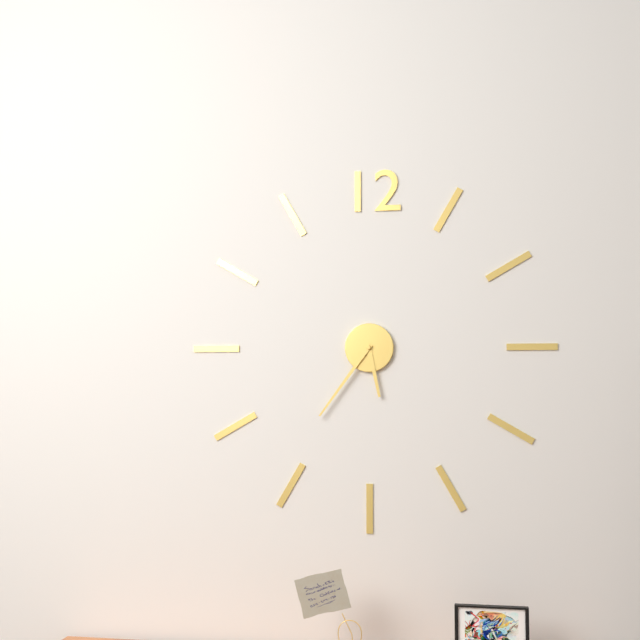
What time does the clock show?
5:36
